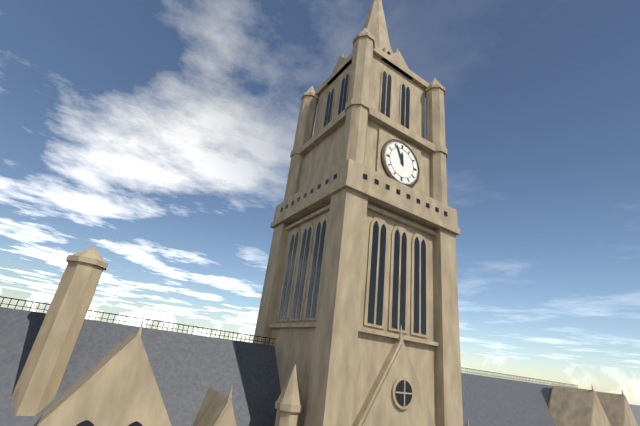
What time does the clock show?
11:56
